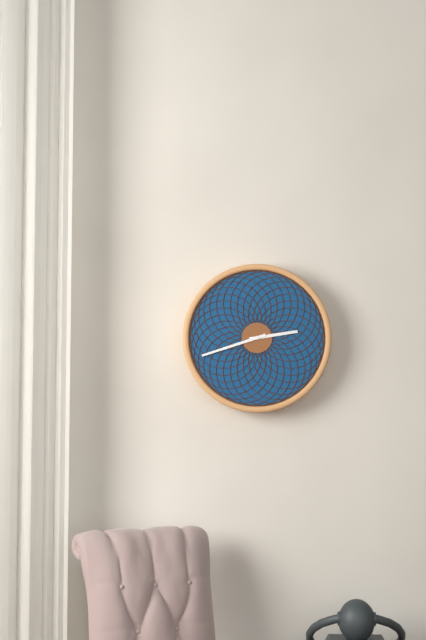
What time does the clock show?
2:42
